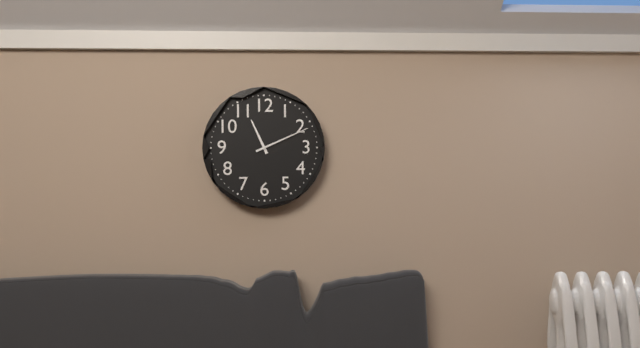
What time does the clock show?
11:11
